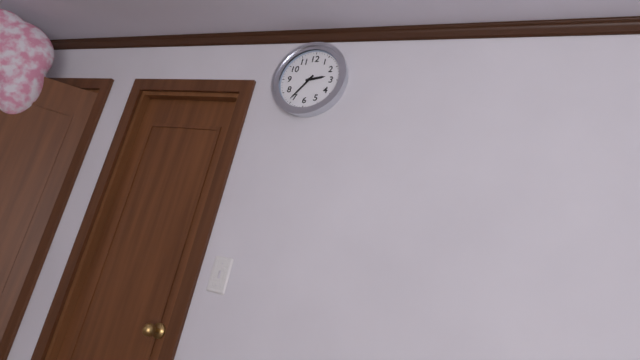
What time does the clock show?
2:36
